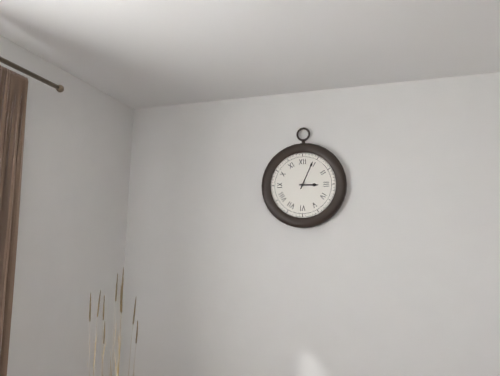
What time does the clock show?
3:04
